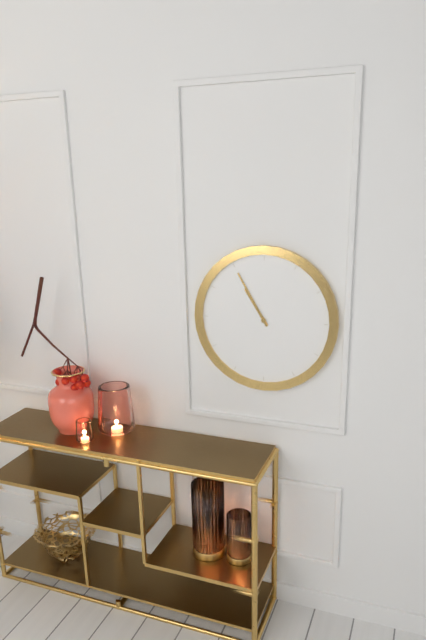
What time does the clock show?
10:55
